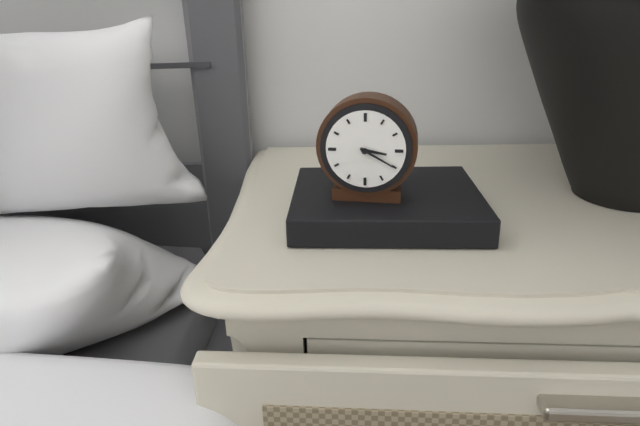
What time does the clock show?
3:20
